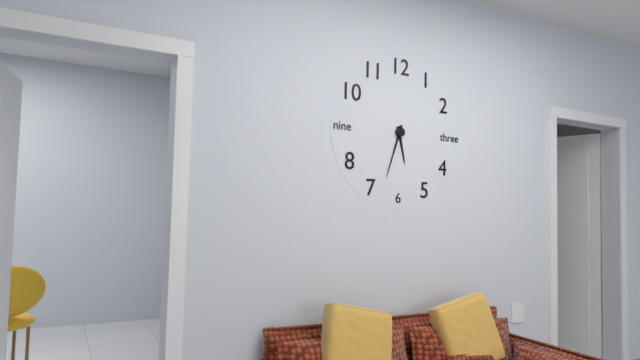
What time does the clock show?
5:33
